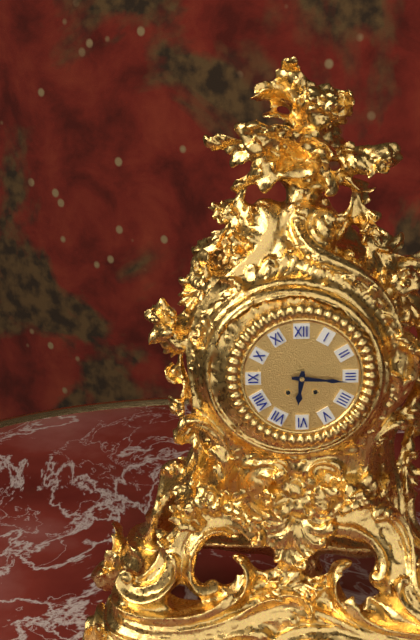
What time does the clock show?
6:16
